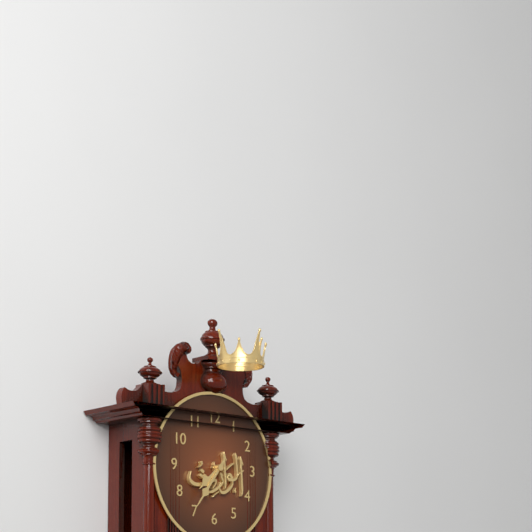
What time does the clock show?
7:36
